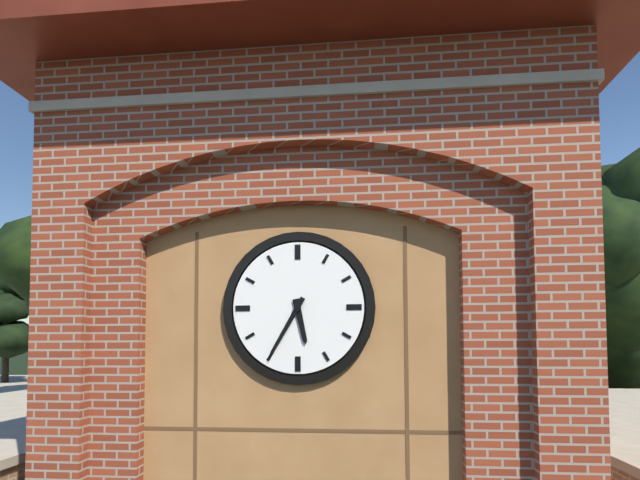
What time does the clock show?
5:35
